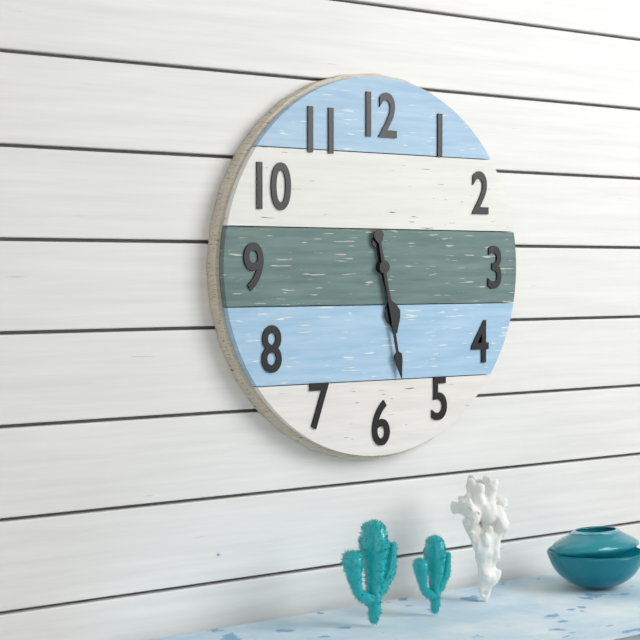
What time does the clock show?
5:28
